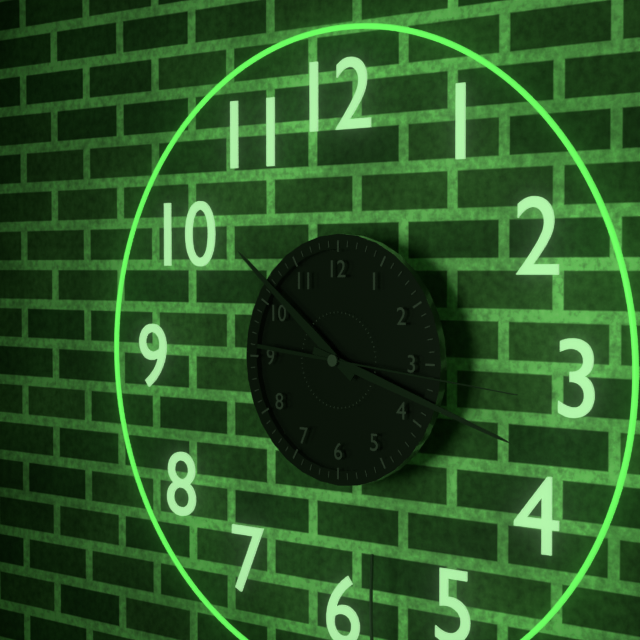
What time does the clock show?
10:18:16
